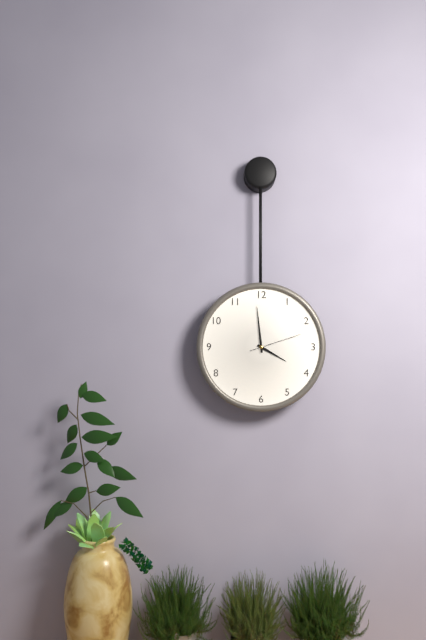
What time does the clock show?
3:59:12
